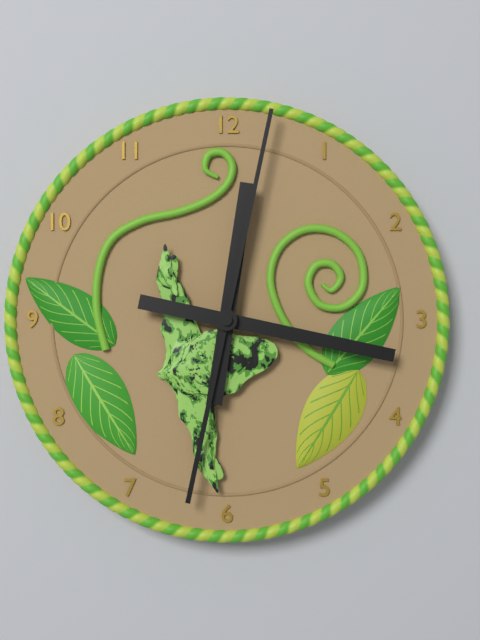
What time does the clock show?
12:17:02
